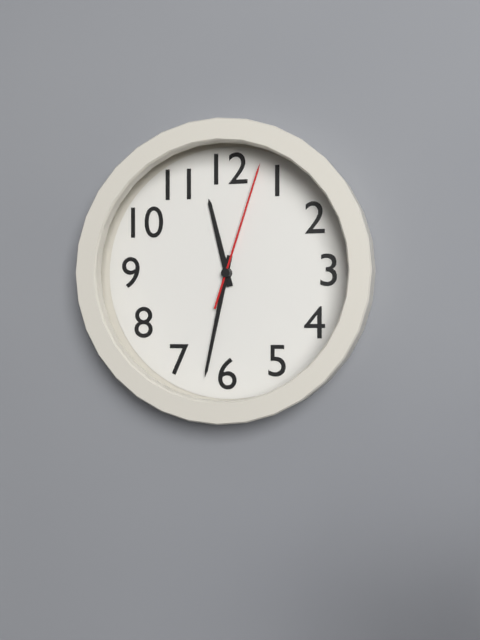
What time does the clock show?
11:32:03
